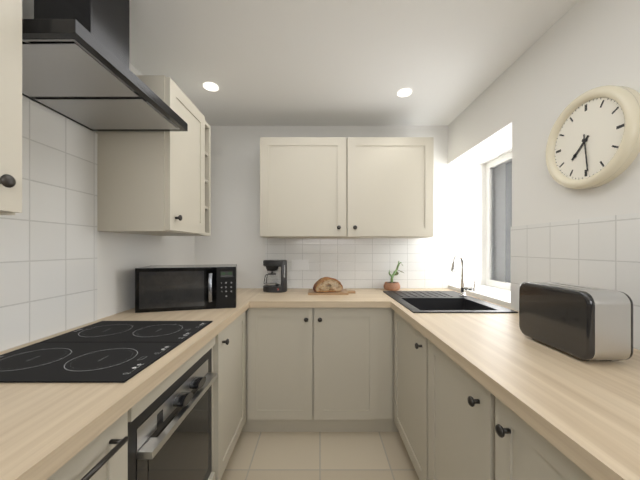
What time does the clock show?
7:29
